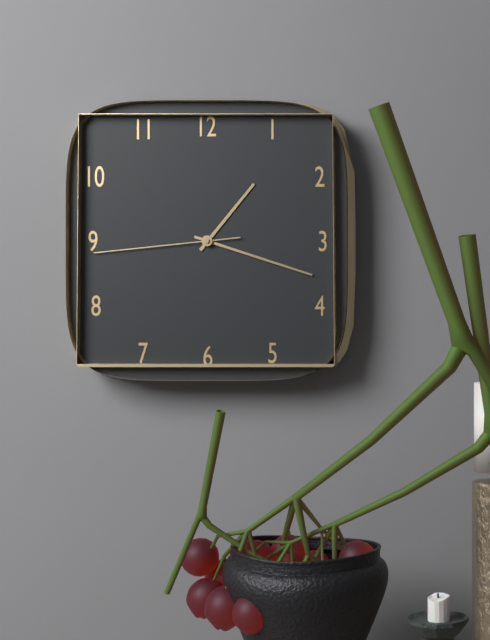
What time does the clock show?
1:18:44
